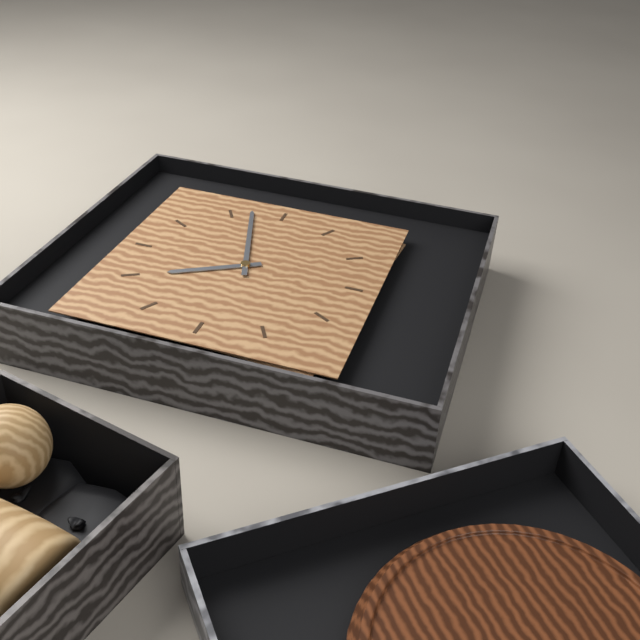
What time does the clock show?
7:57
